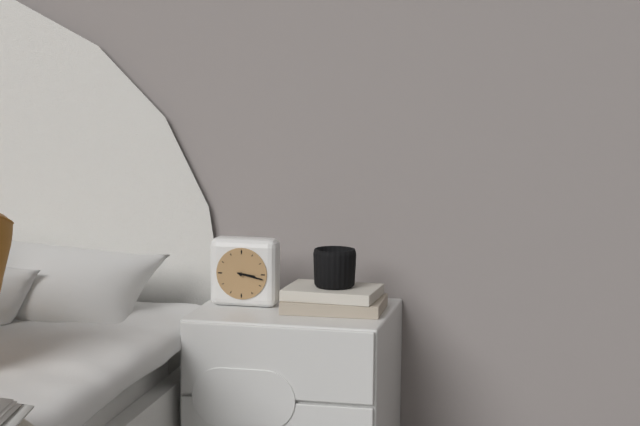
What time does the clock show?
3:17
